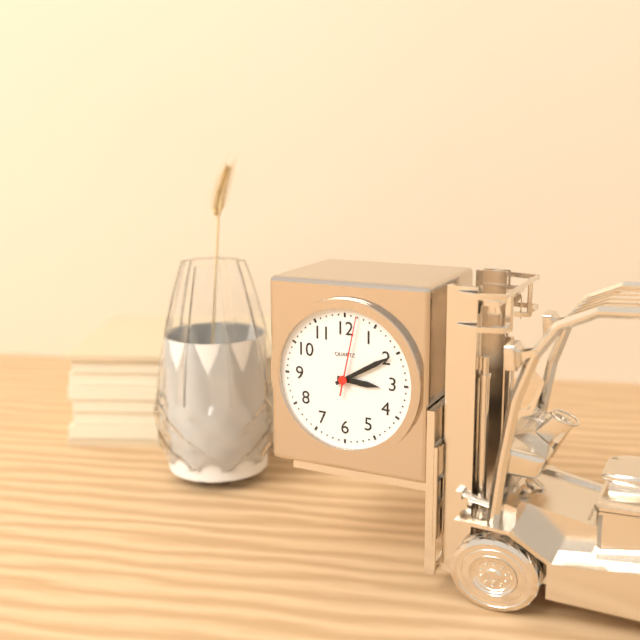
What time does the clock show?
3:10:02
